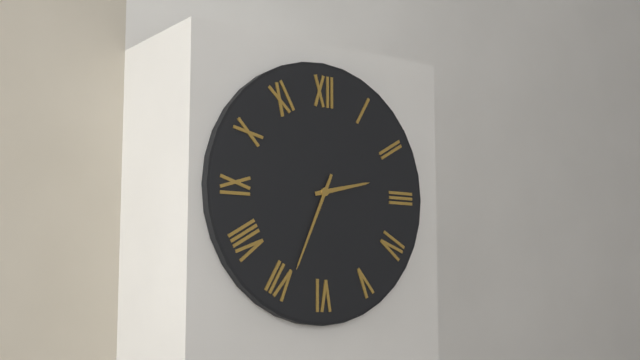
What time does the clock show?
2:34
